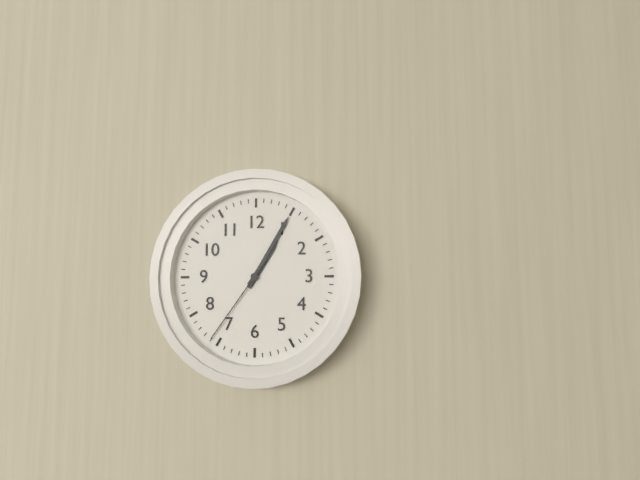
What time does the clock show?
1:05:36
